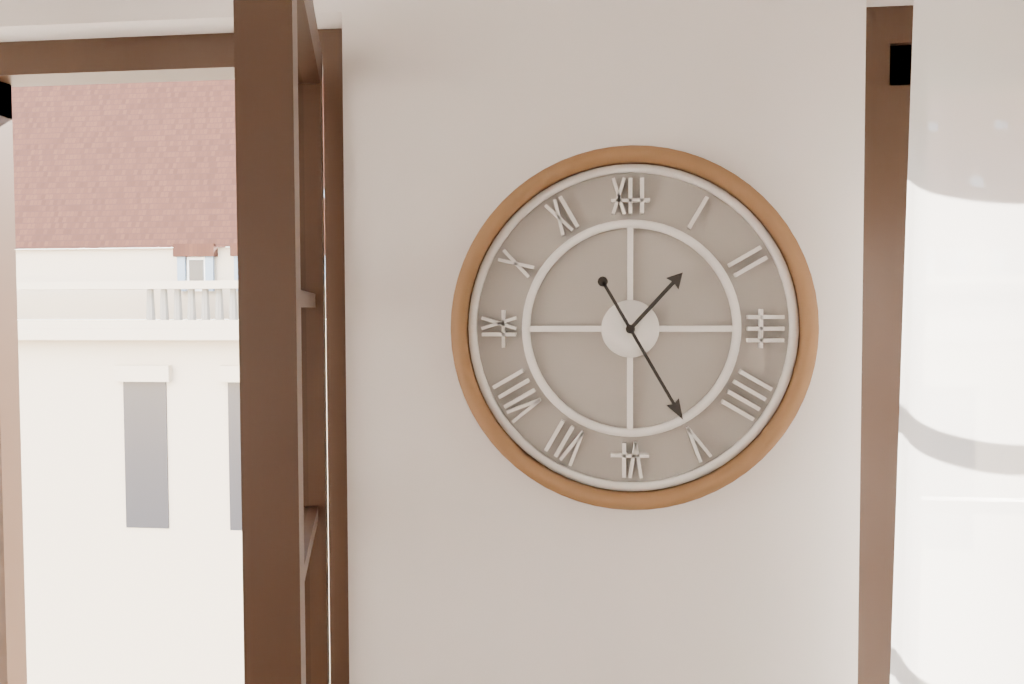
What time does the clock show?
1:25
